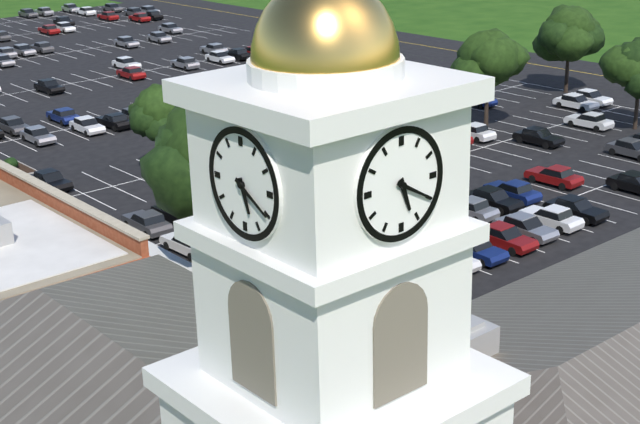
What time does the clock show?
5:20
